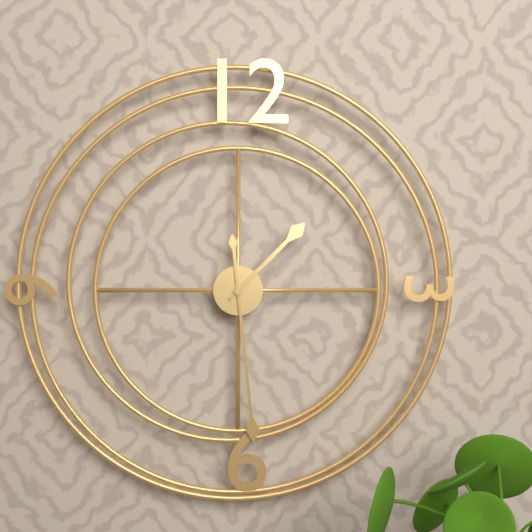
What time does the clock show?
1:29
